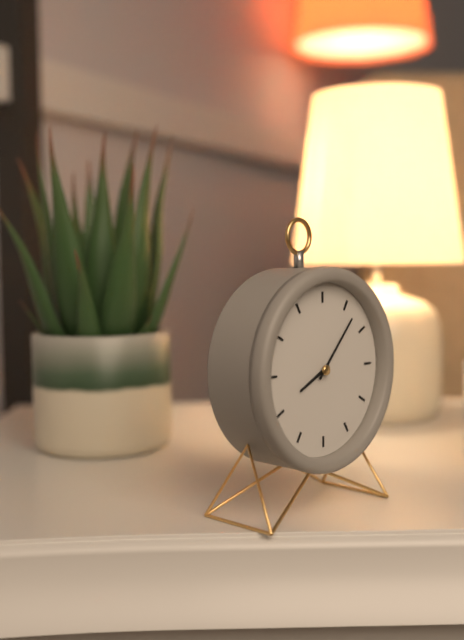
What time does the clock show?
8:07
